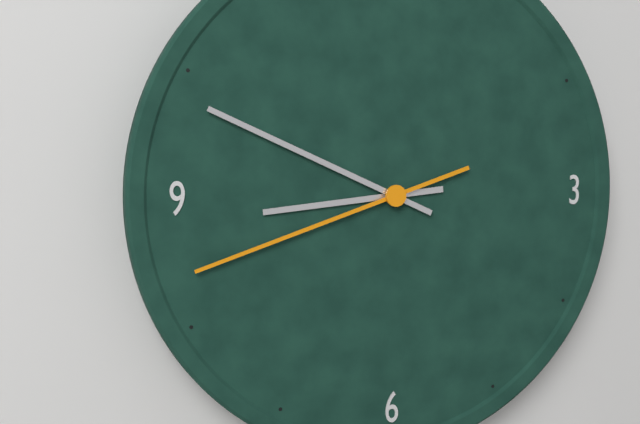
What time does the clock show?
8:49:42
